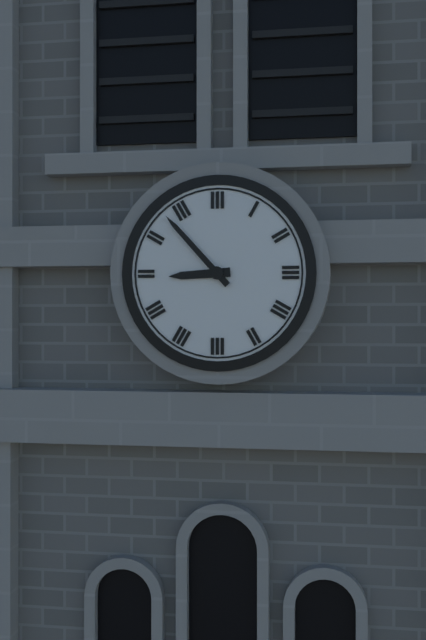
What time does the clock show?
8:53
